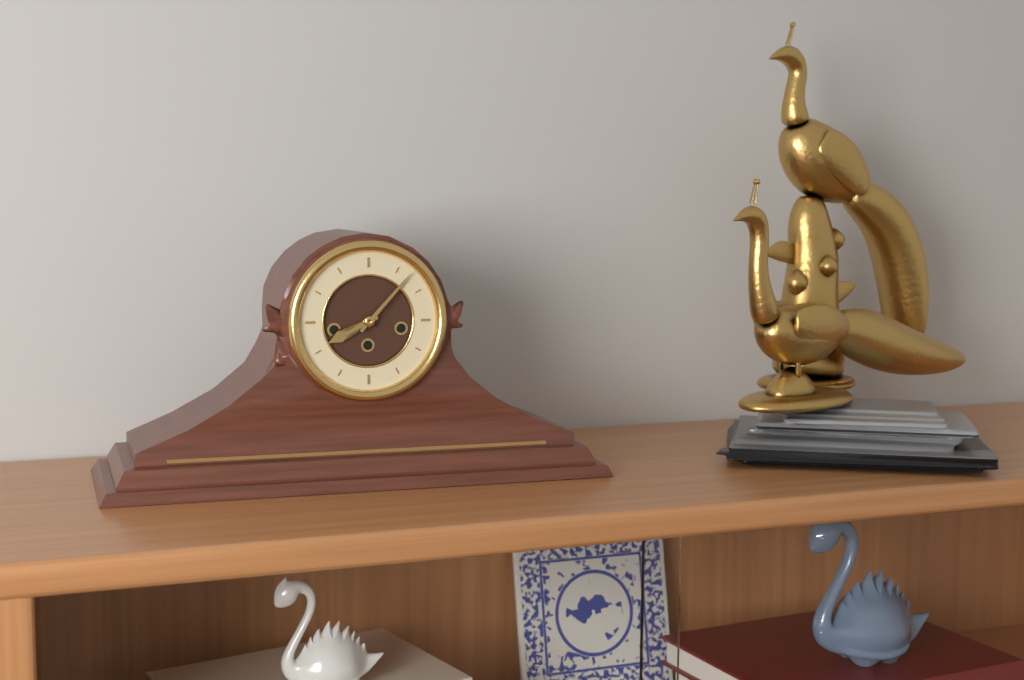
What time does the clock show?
8:07
